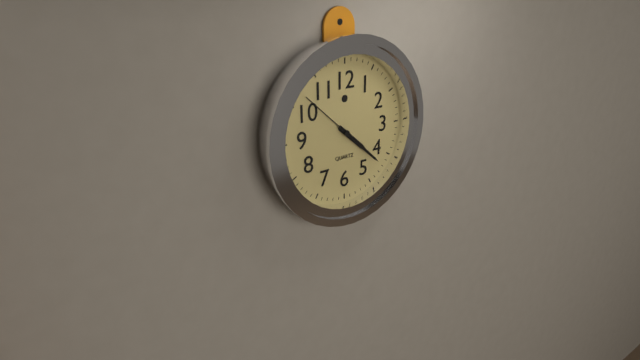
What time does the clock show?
4:22:52
